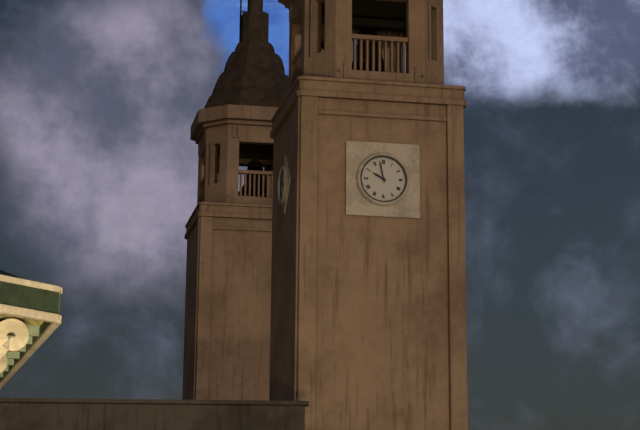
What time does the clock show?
9:58
